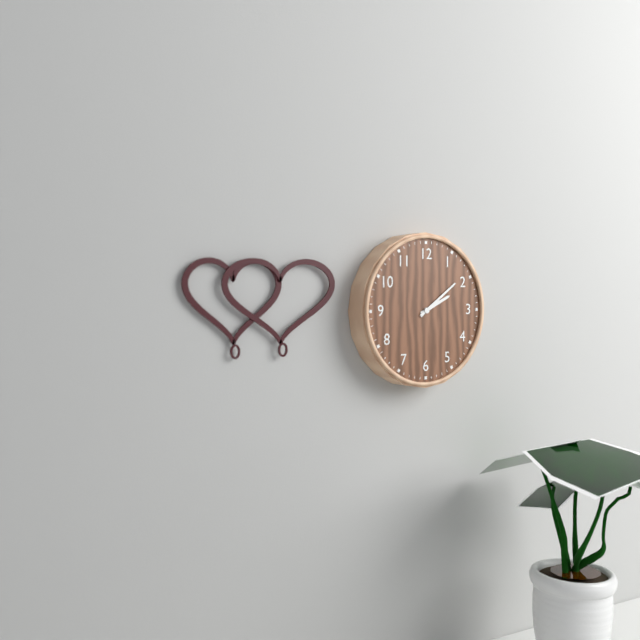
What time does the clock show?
2:09
